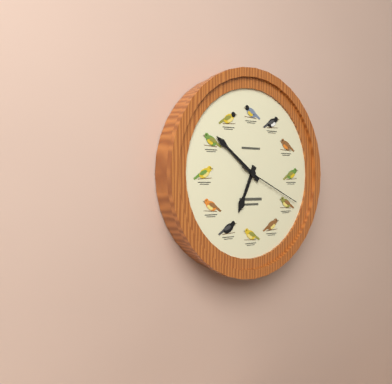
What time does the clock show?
6:51:19
